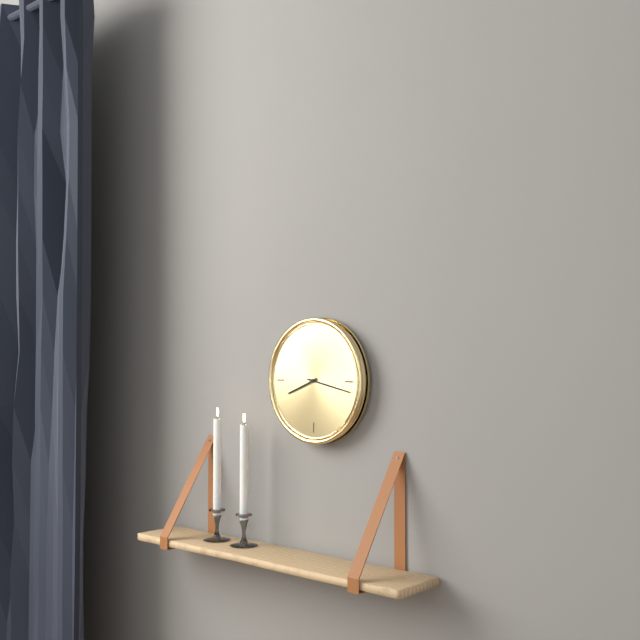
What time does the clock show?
8:17
